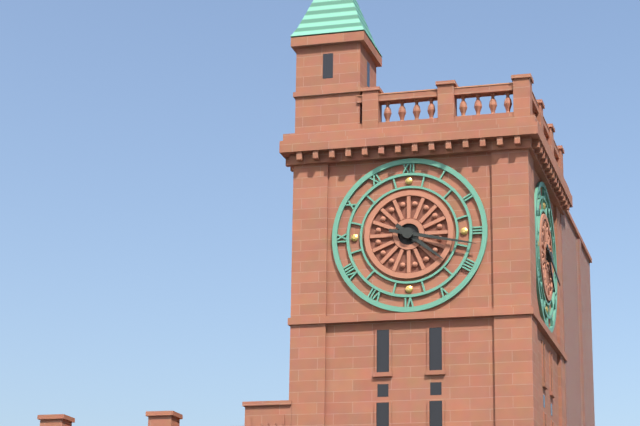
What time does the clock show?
4:17
